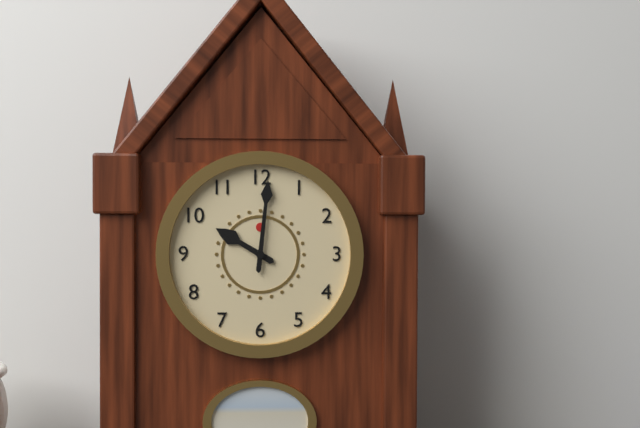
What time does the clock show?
10:01
